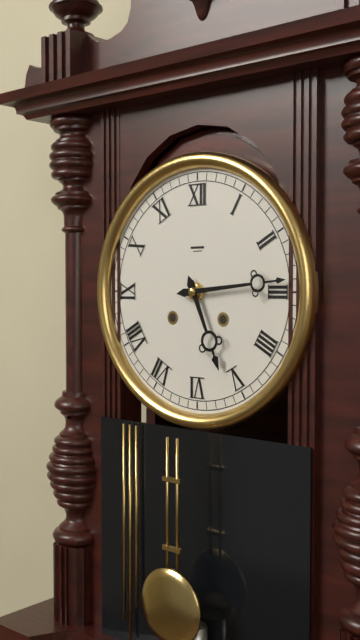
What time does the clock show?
5:14
